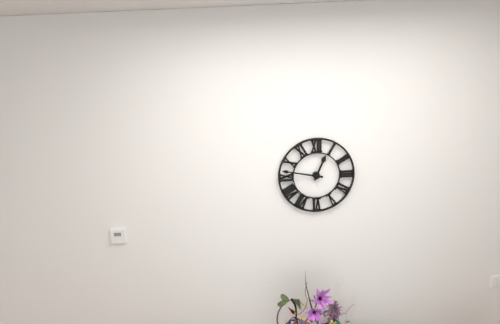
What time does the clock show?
12:47
